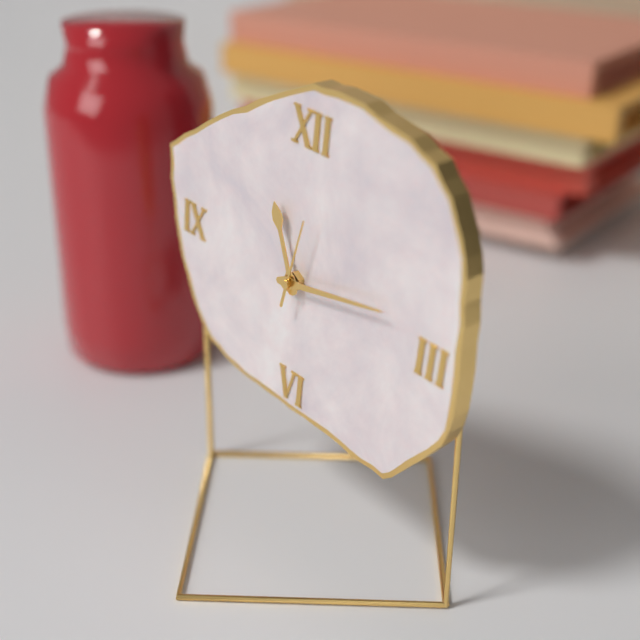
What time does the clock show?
11:13:02
